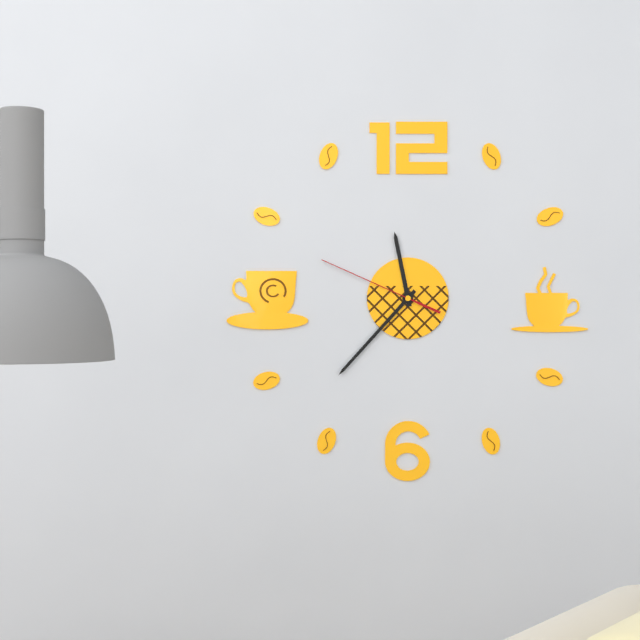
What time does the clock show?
11:37:49
